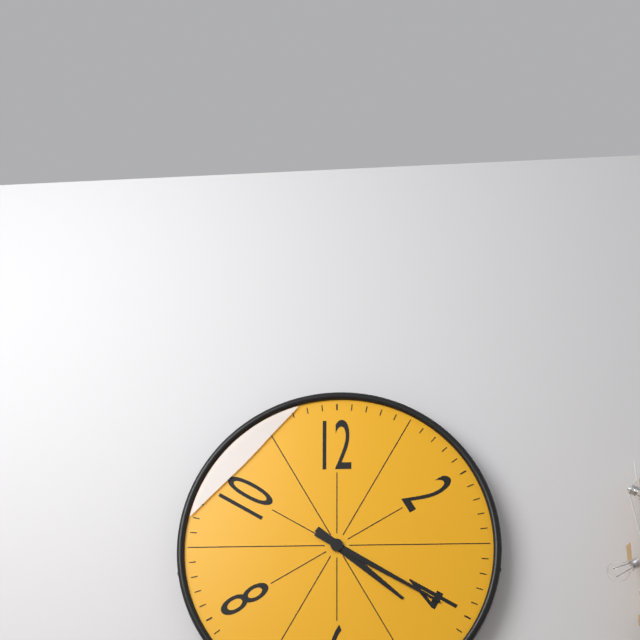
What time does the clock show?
4:20
